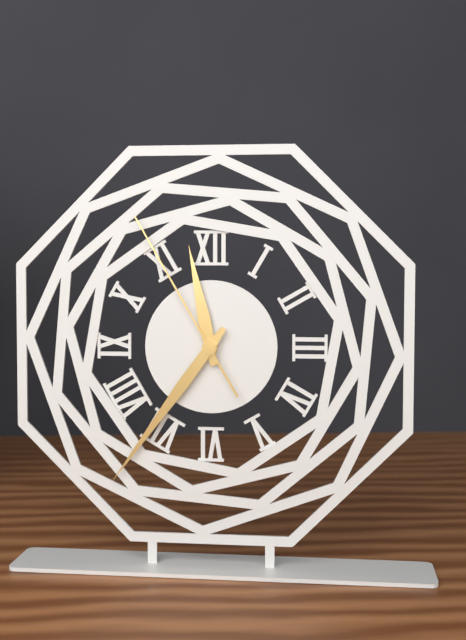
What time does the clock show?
11:36:55
